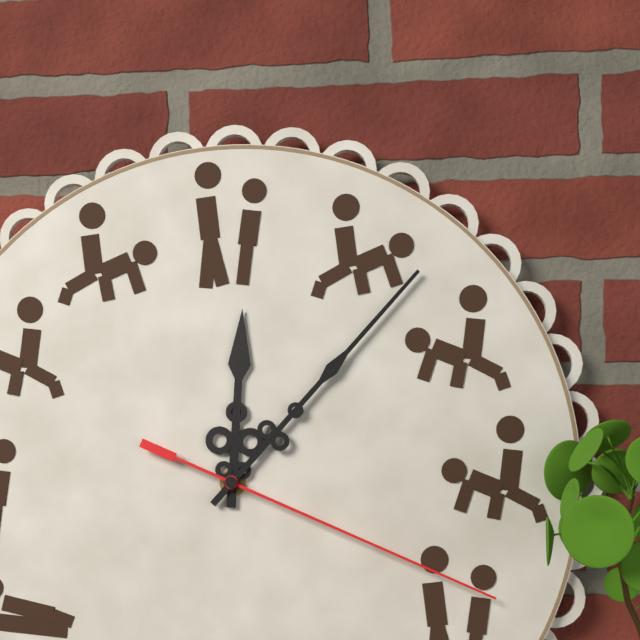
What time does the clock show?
12:07:19
